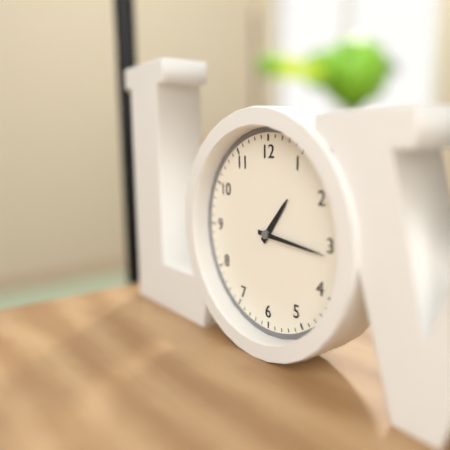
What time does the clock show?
1:16
